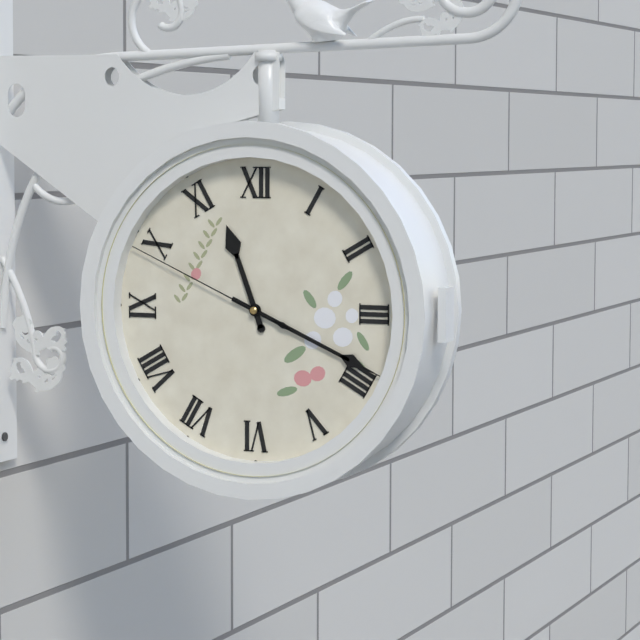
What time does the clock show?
11:19:49
